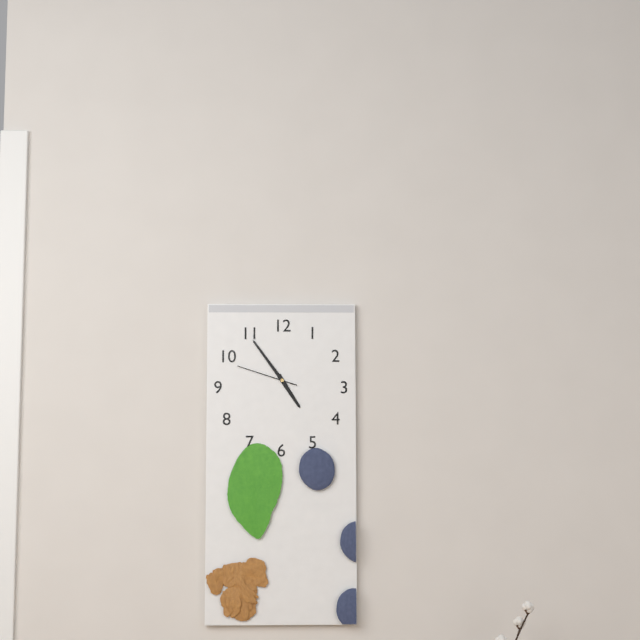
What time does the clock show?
4:54:48
